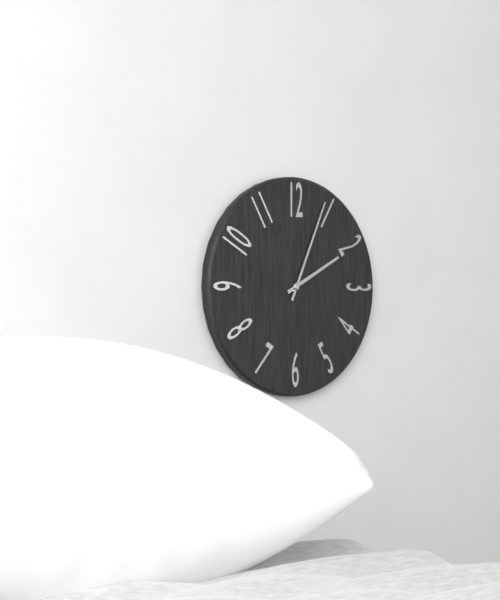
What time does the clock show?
2:04
